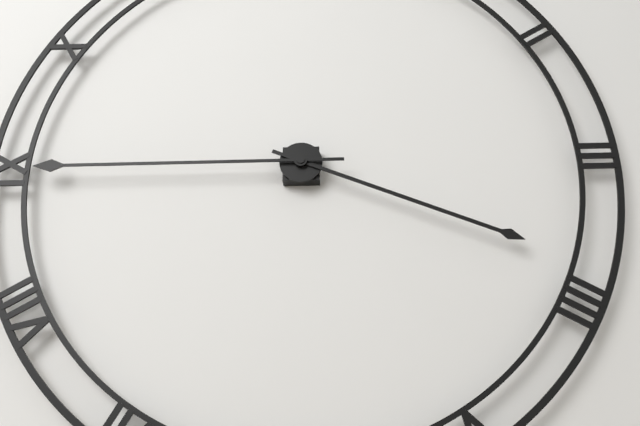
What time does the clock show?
3:45
